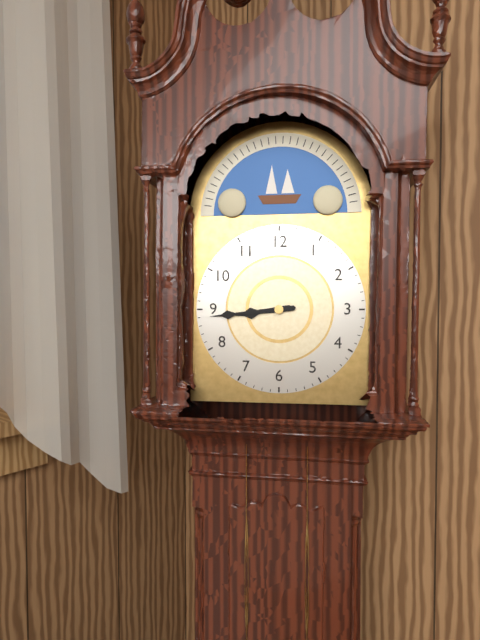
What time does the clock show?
8:44
